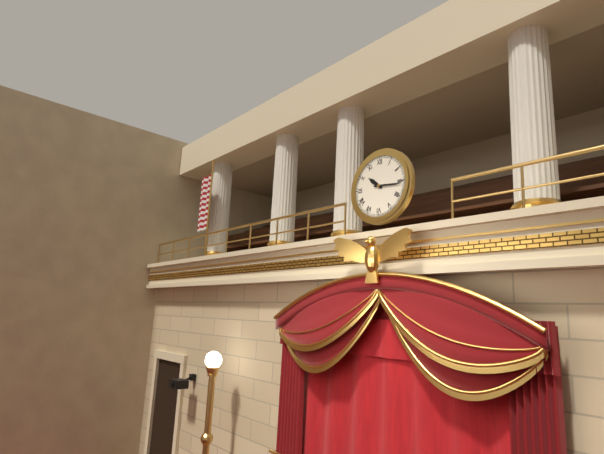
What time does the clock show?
10:16
